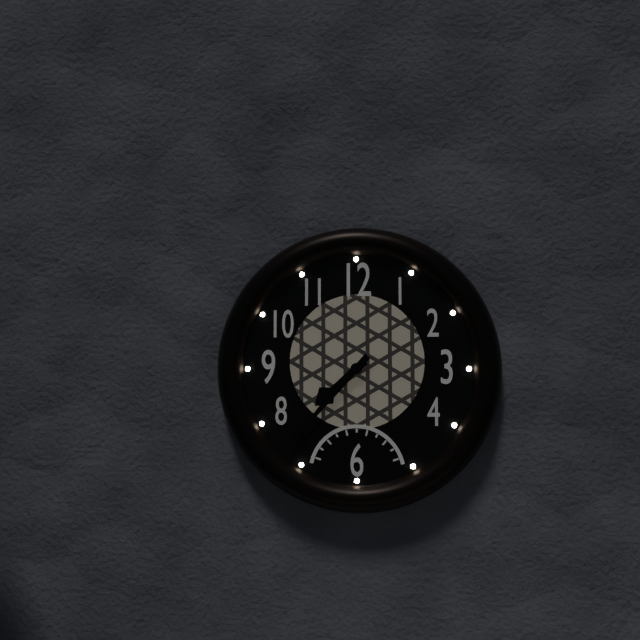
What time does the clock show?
7:37
